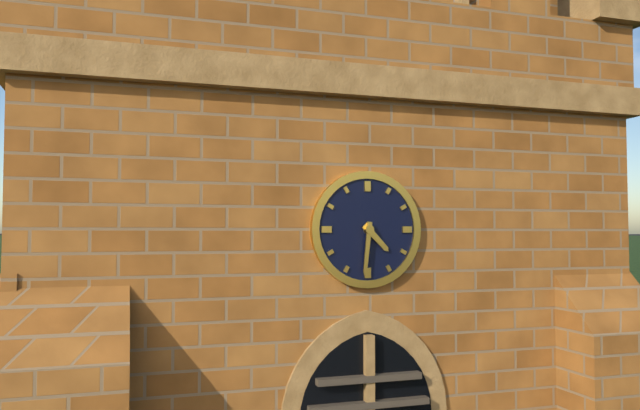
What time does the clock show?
4:31
